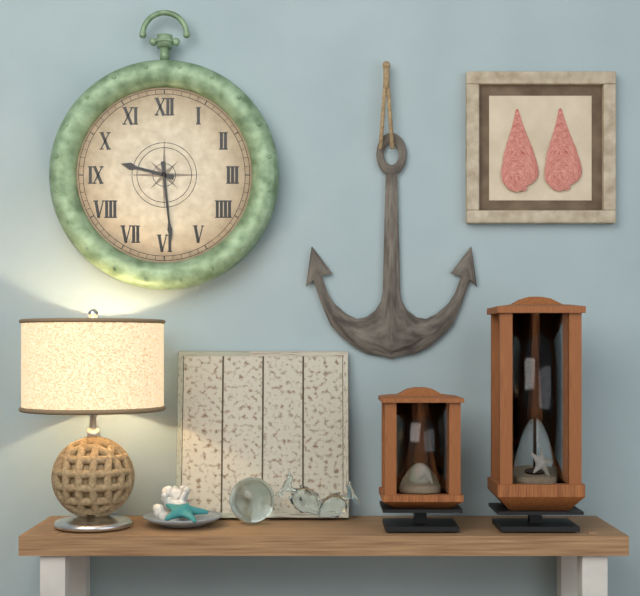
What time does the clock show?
9:29
